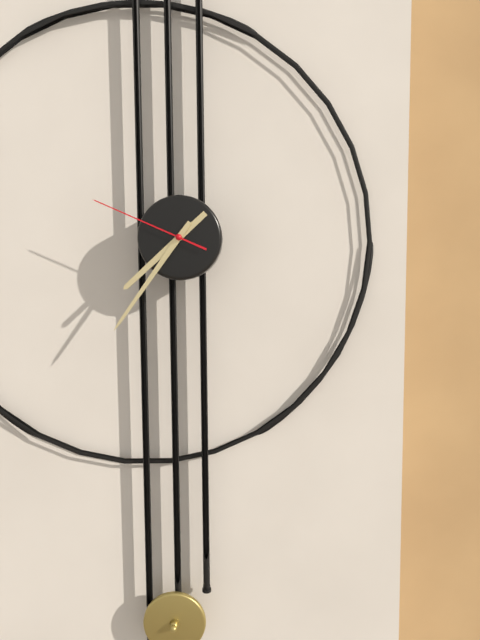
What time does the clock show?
7:36:49
